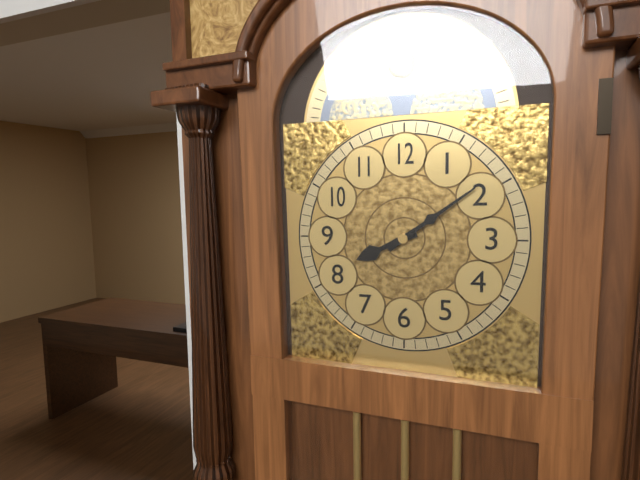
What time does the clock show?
8:09
